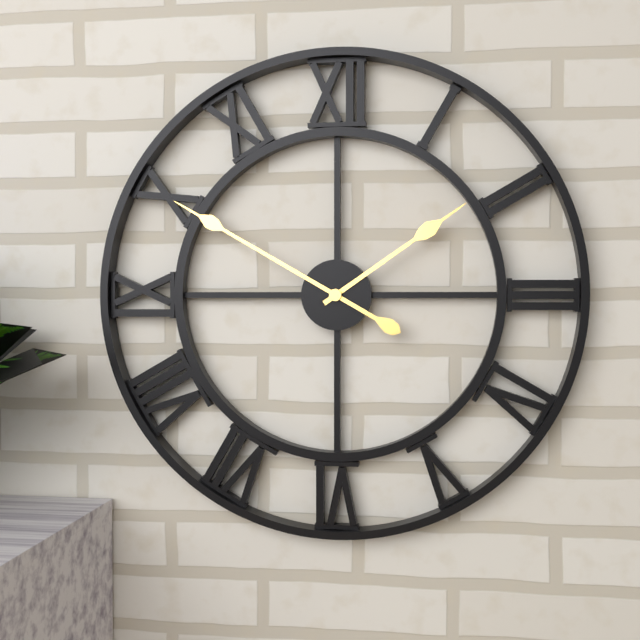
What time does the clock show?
1:50
